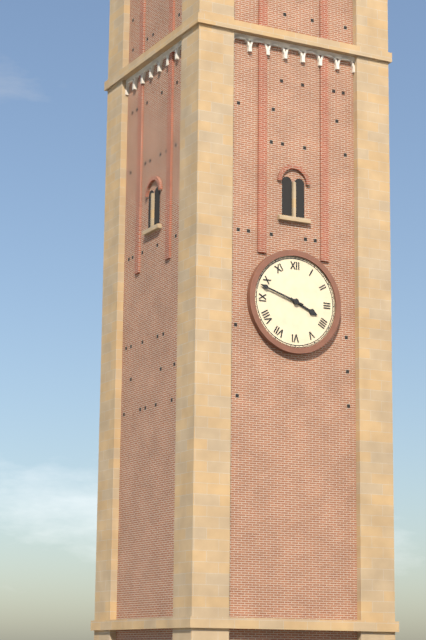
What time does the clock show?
3:48
